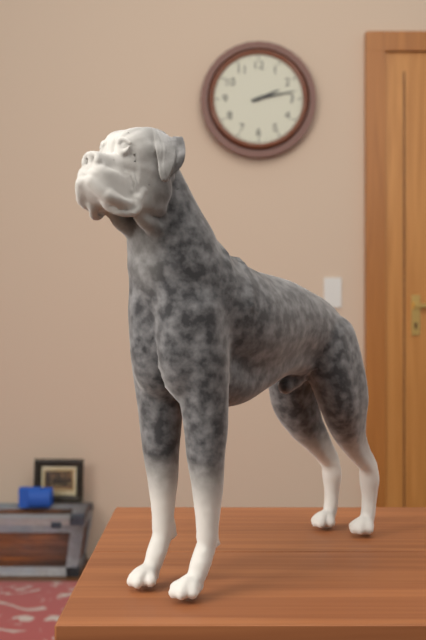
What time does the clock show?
2:13
